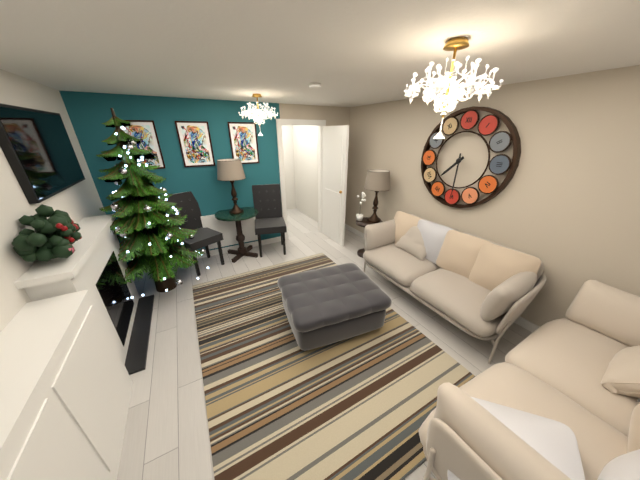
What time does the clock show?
7:30
